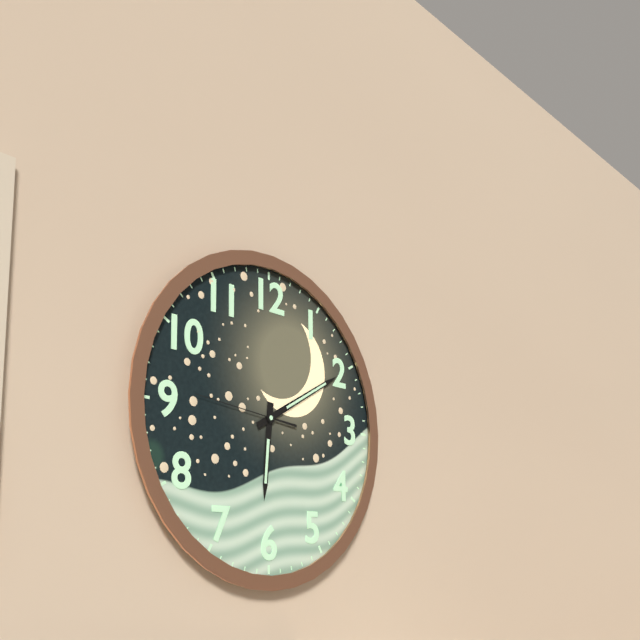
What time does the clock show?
6:10:46
